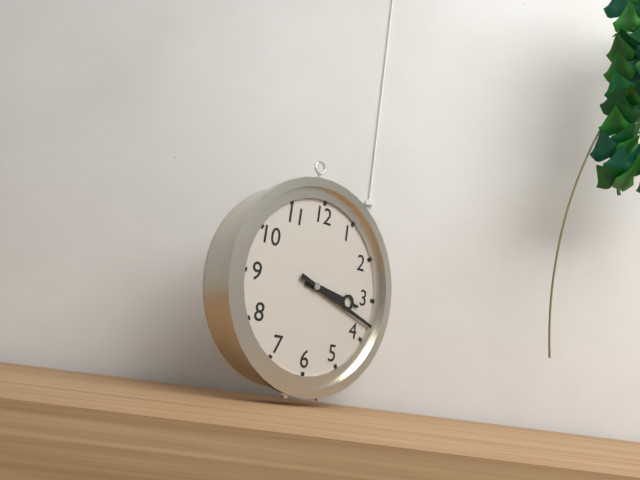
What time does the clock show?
3:18
